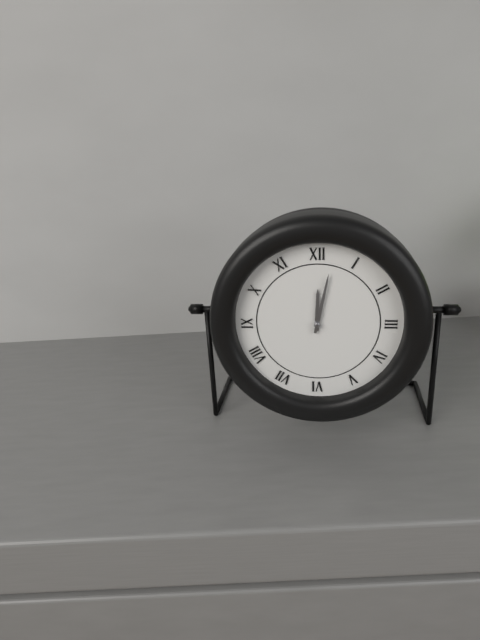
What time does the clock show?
12:02
